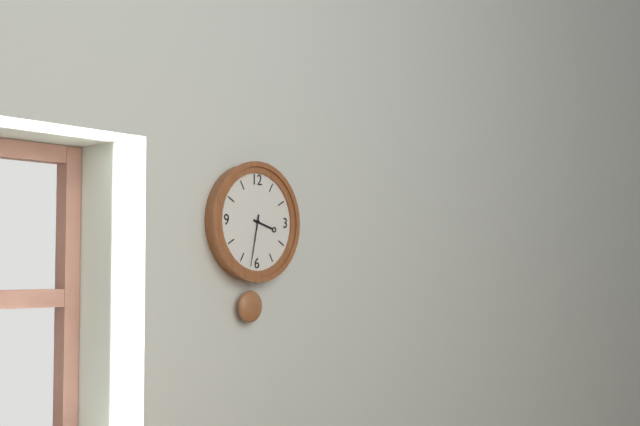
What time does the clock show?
3:32
